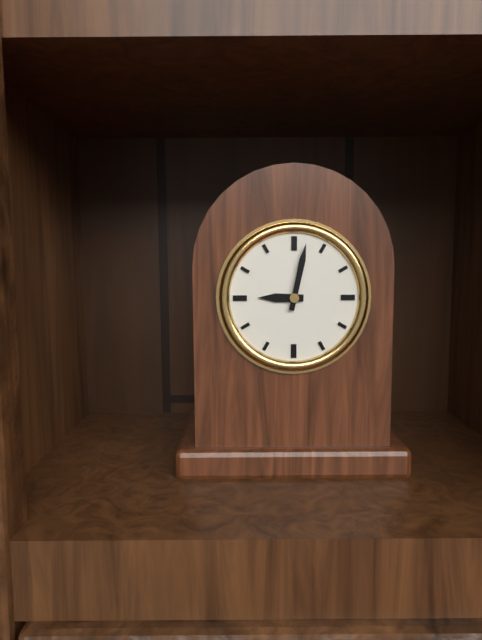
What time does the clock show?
9:02
